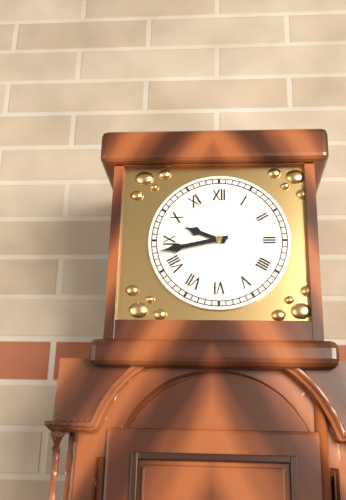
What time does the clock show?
9:43
